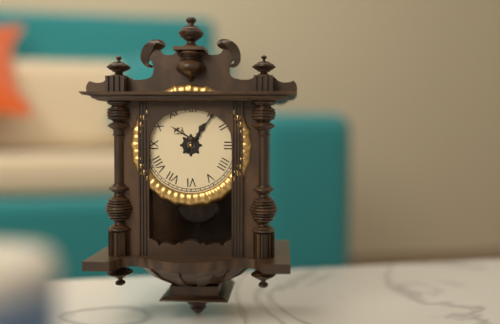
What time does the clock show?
1:06
